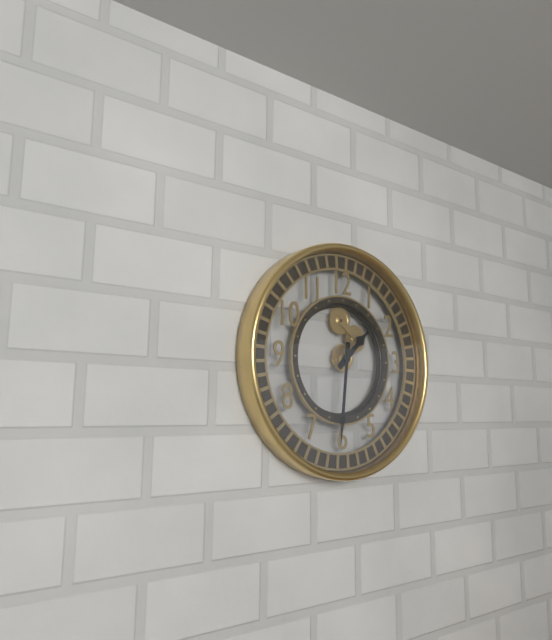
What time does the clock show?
1:31
